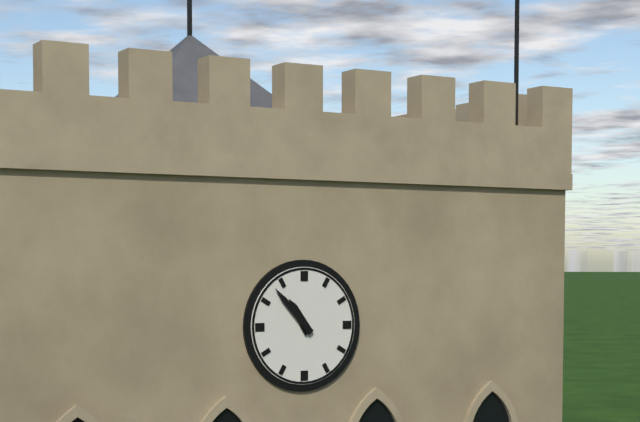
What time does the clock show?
10:53
